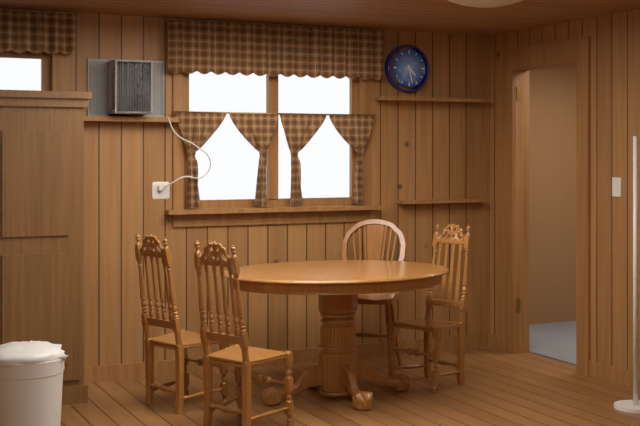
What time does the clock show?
4:28
